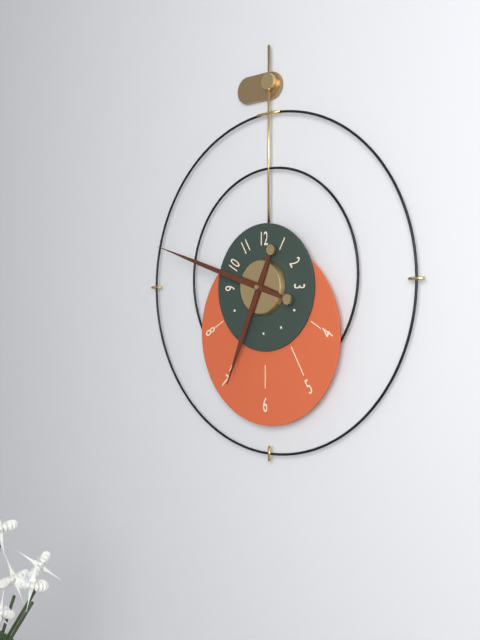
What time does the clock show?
6:48
